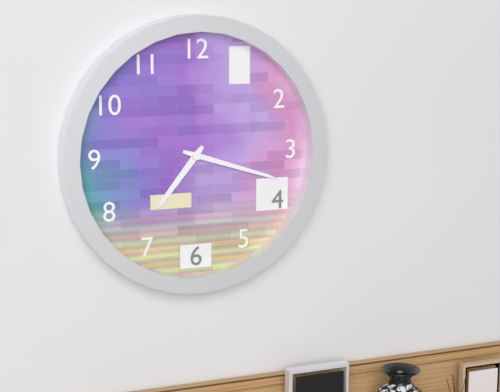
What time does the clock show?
7:18
